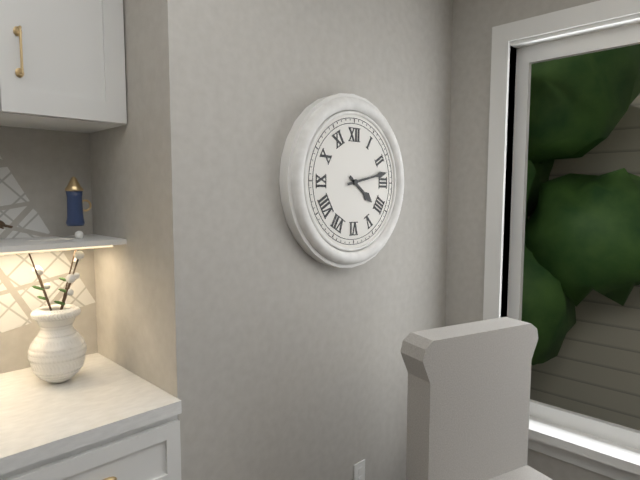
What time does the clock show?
4:13
